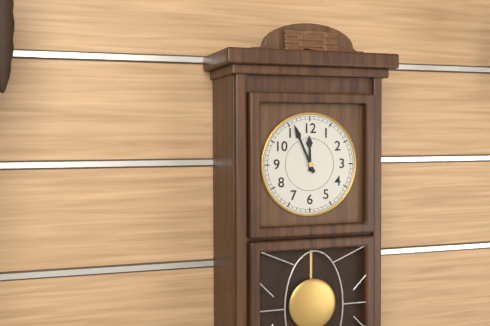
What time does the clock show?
11:56
